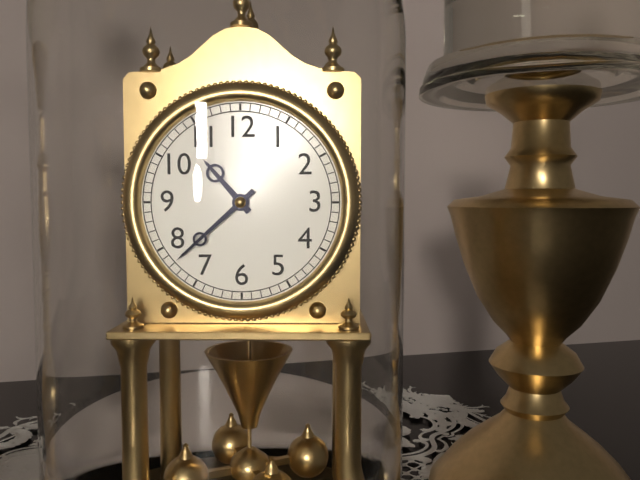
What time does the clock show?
10:38
